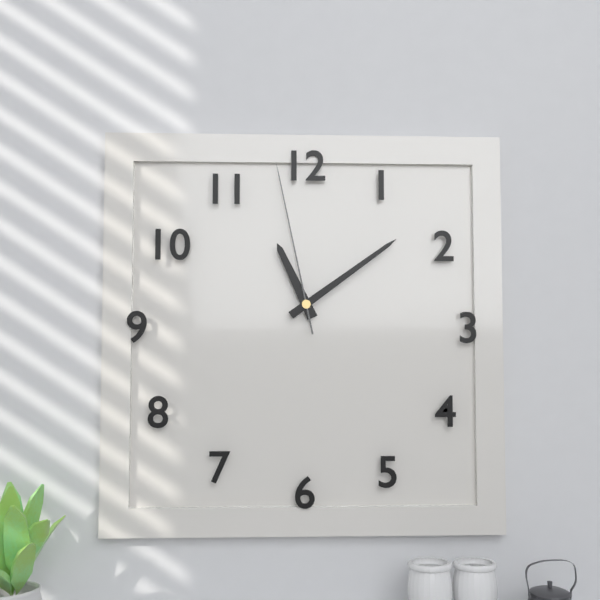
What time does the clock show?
11:09:58
